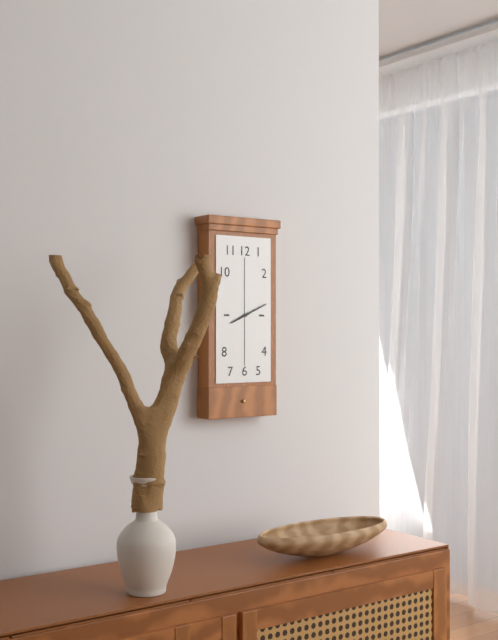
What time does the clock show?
8:11
